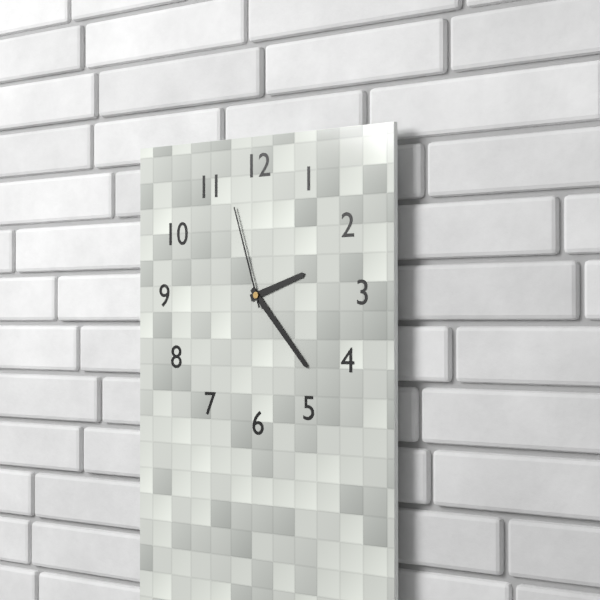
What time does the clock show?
2:23:57
